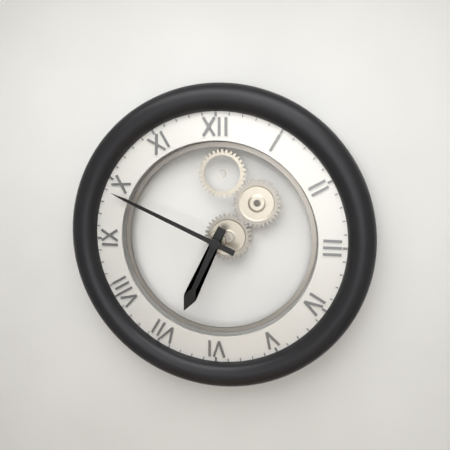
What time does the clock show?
6:49
